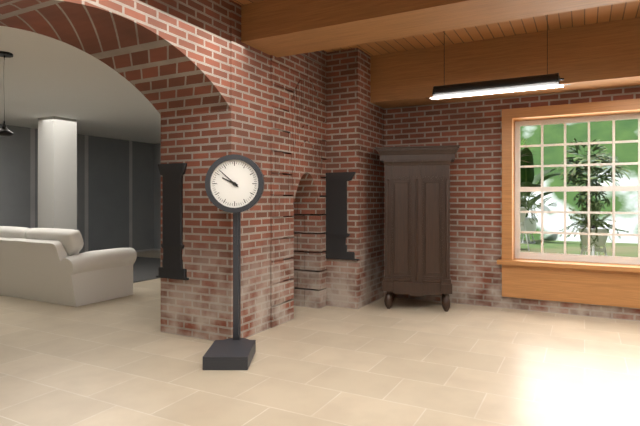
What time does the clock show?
9:52
